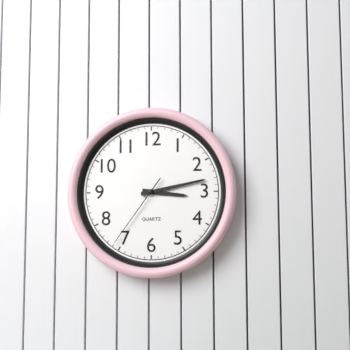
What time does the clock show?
3:13:36
